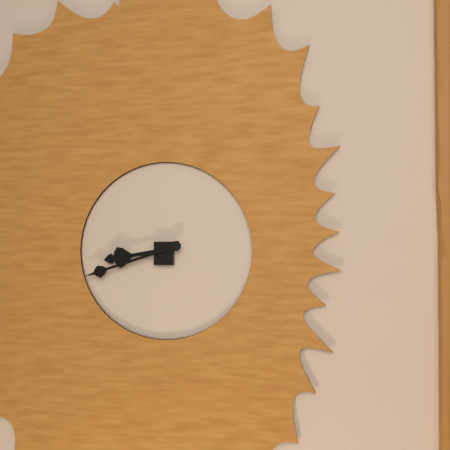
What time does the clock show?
8:42
